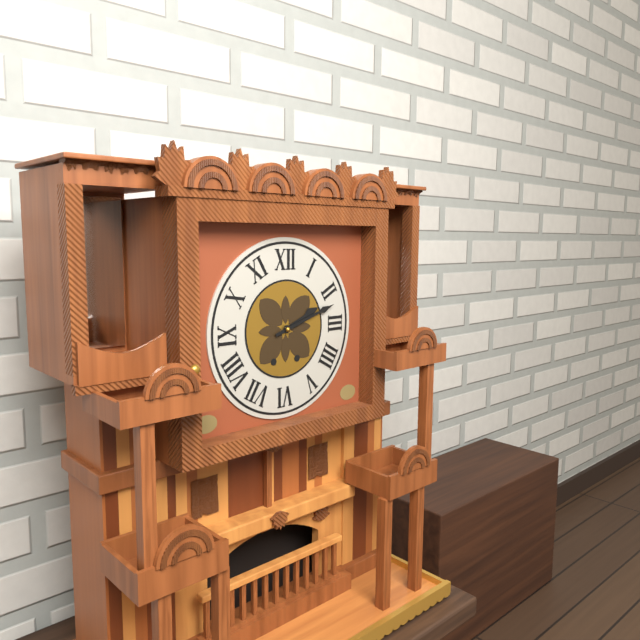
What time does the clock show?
2:12
